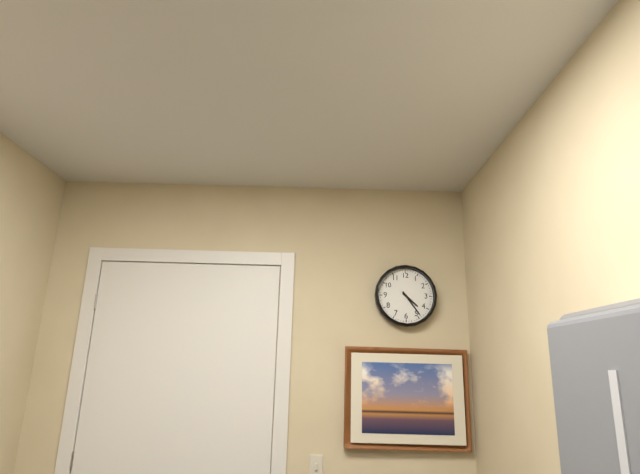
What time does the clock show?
4:24
